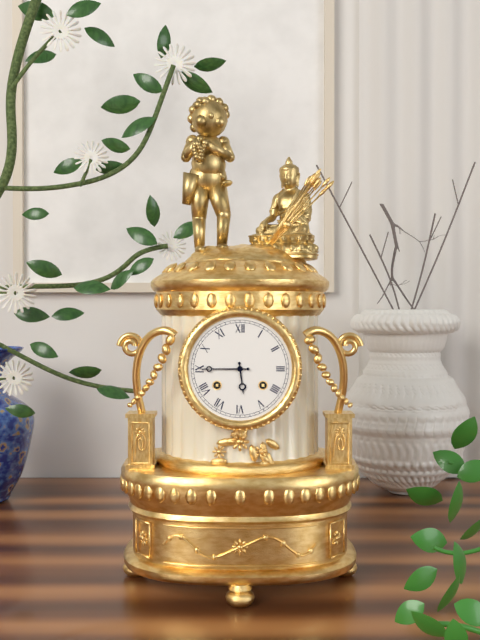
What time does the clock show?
5:45
